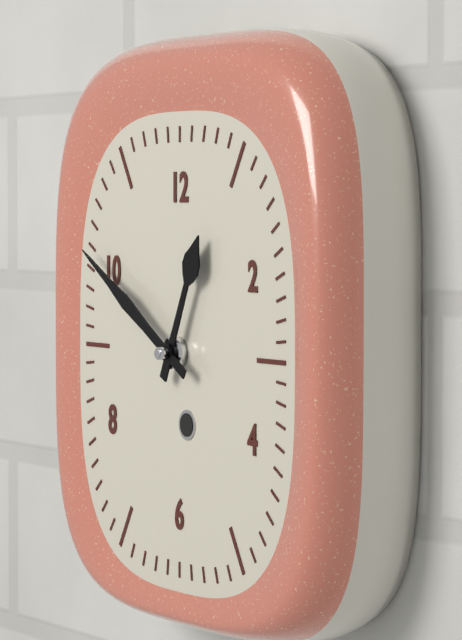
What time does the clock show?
12:50
